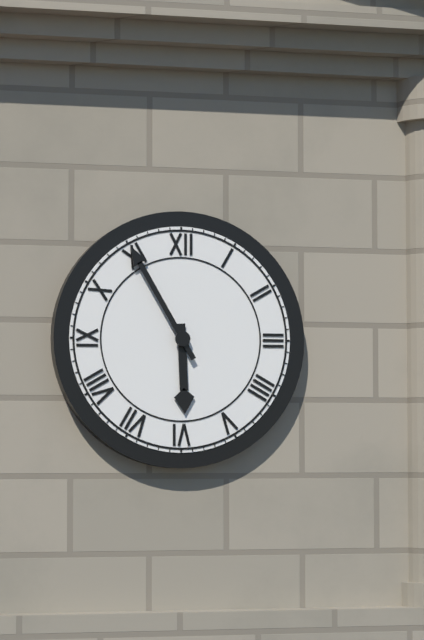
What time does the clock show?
5:55
